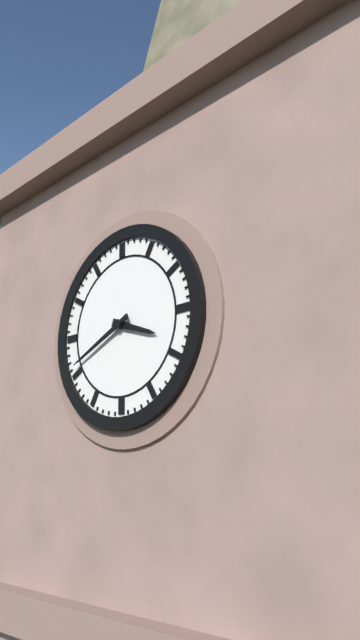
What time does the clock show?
3:41
